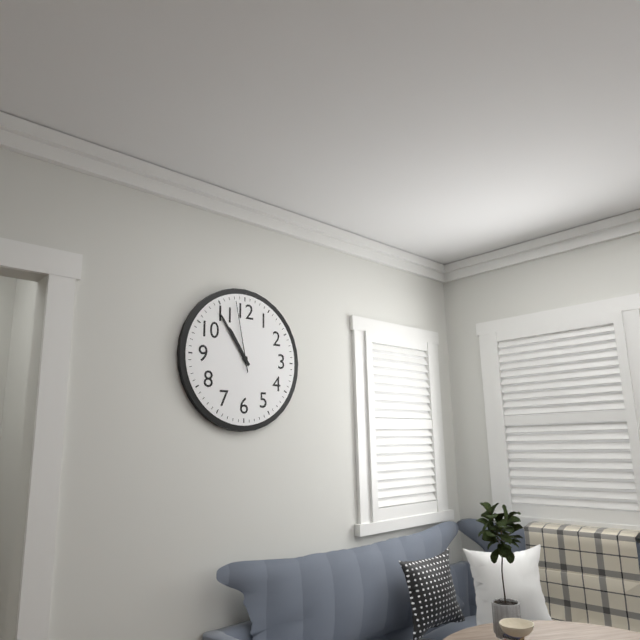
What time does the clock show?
10:54:58
